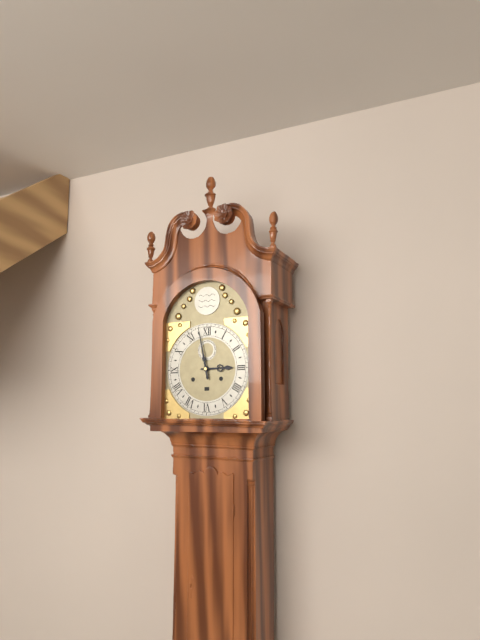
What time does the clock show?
2:58
